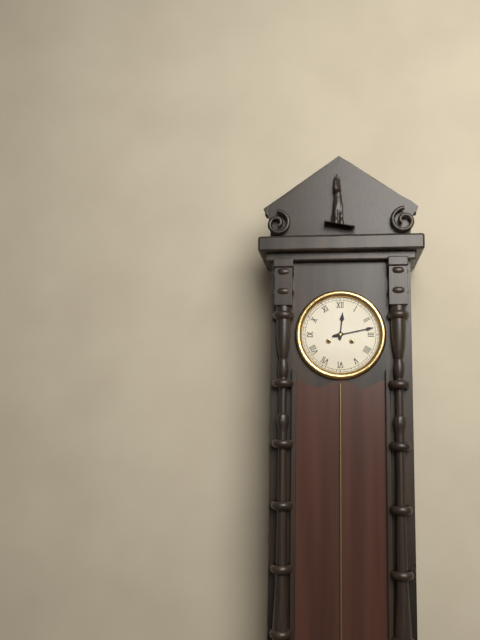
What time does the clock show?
12:13
